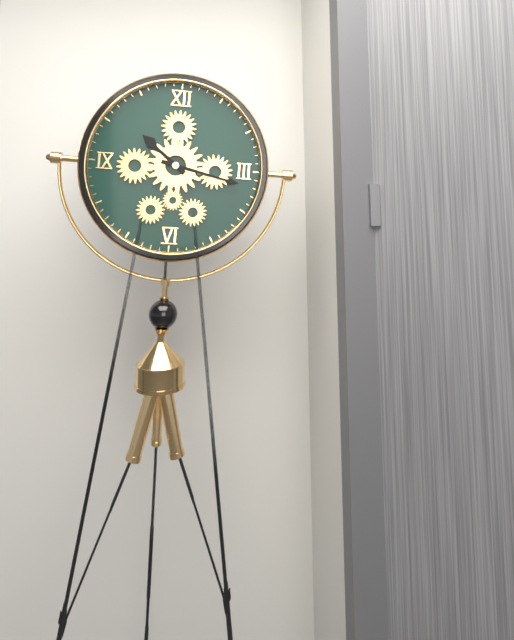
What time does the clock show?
10:17
